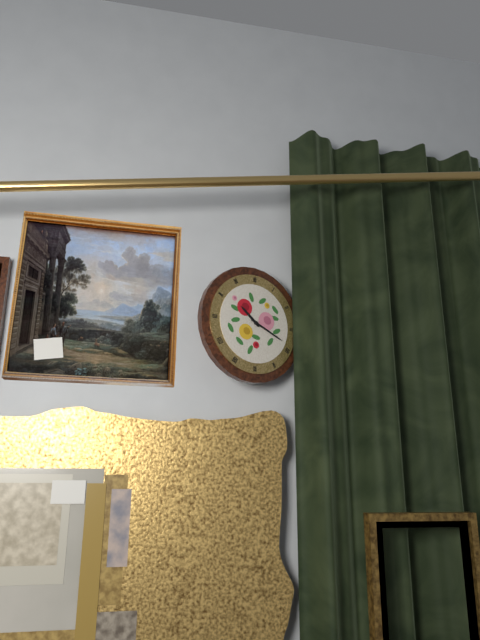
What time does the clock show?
10:19
